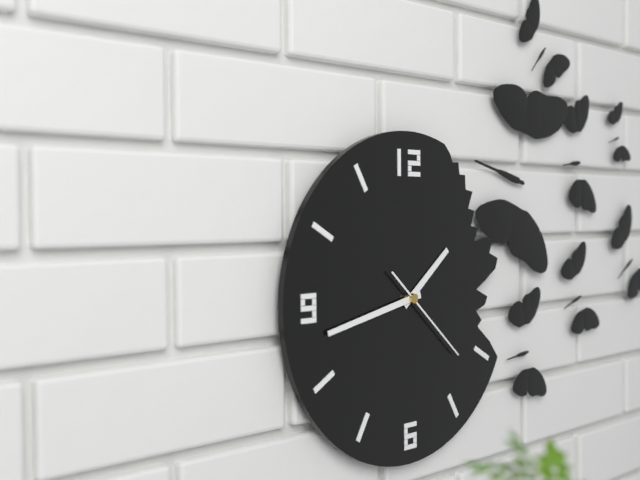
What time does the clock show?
1:43:22
